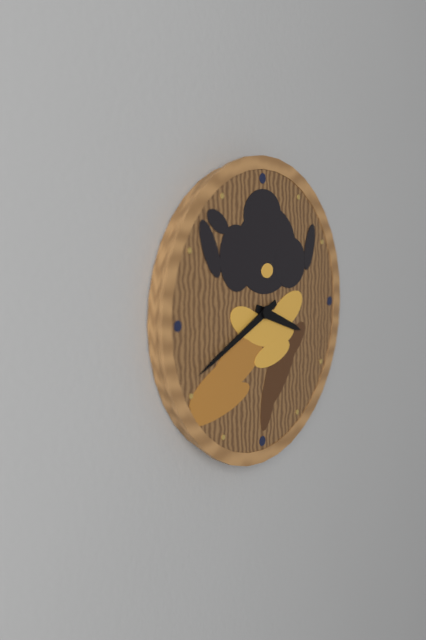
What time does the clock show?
3:41
